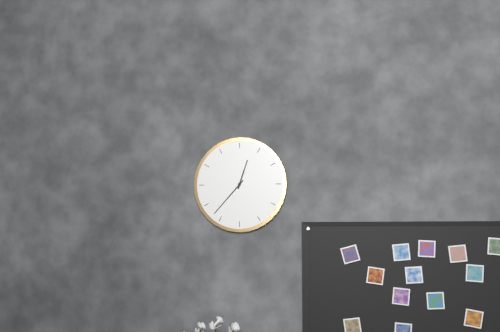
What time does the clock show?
12:37
